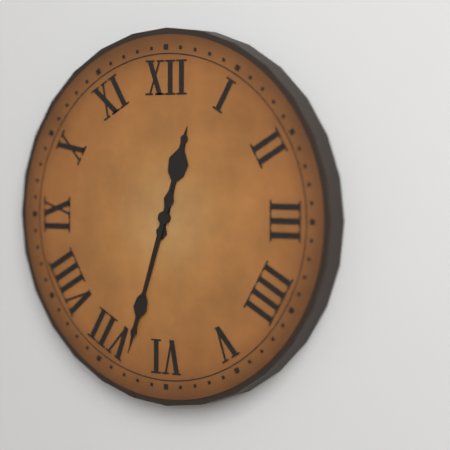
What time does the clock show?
12:33
